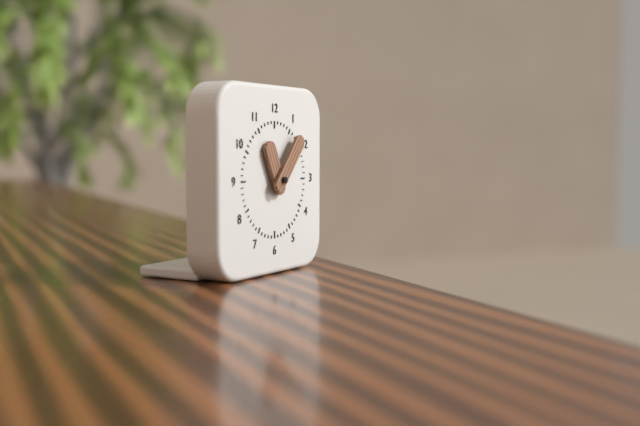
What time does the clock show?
11:07
